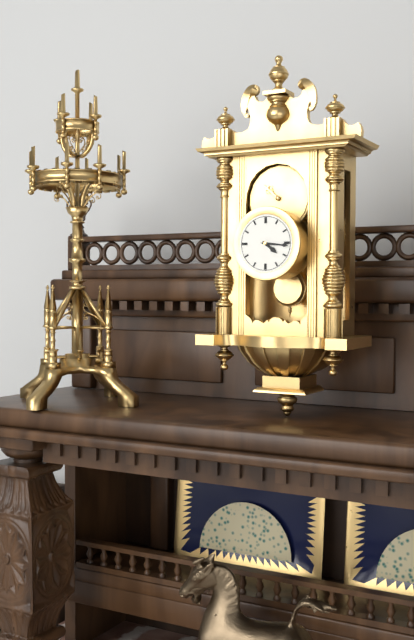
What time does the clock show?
4:16
